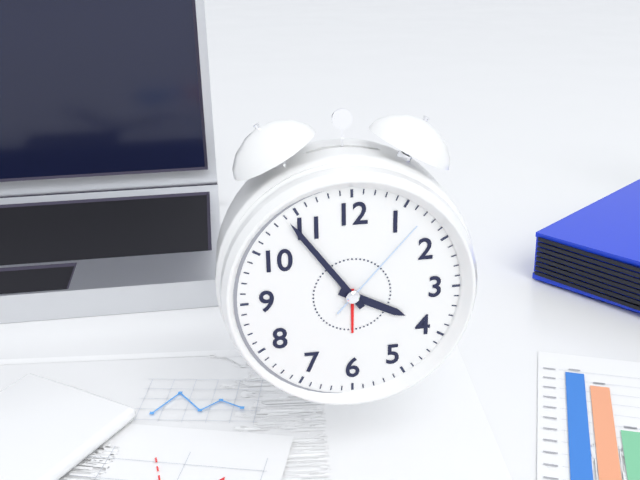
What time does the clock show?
3:54:07
